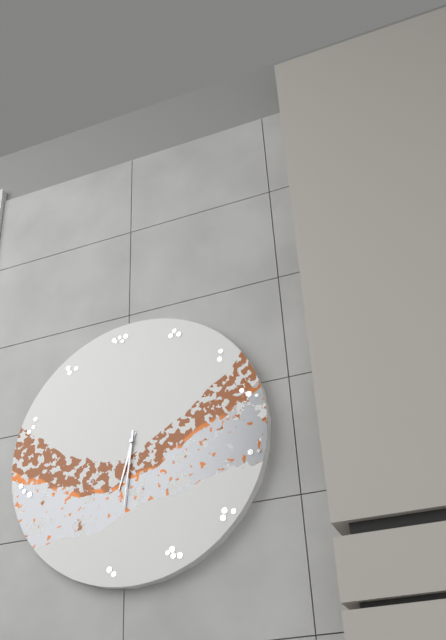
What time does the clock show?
6:31
